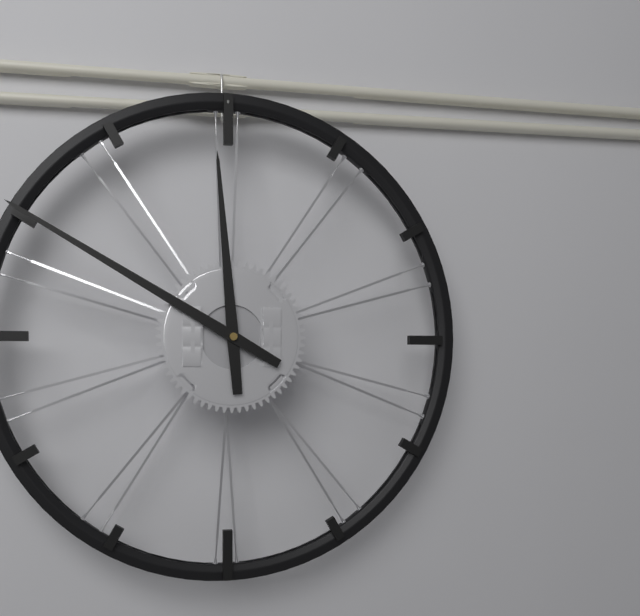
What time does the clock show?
11:50
